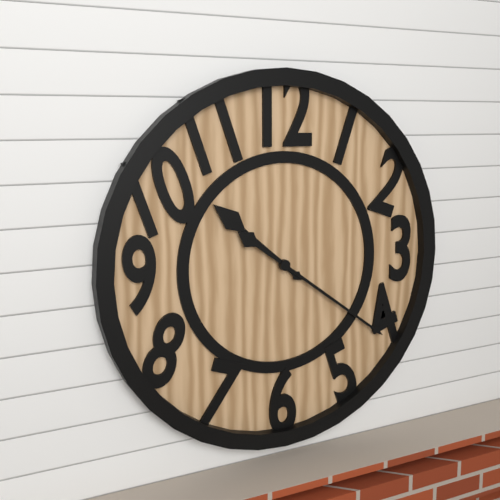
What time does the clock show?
10:21
